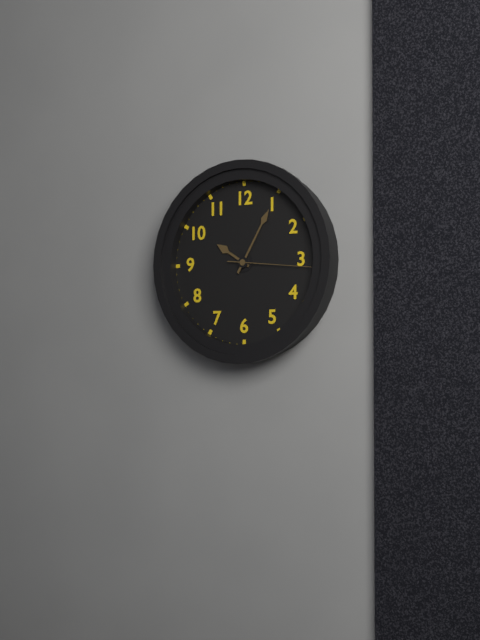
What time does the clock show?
10:05:16
